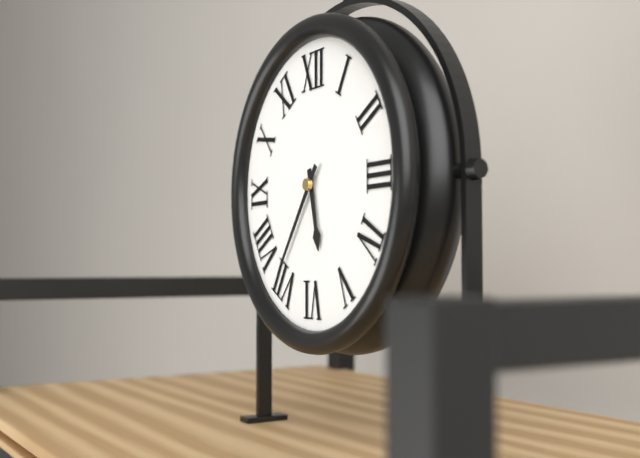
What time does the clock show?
5:36
